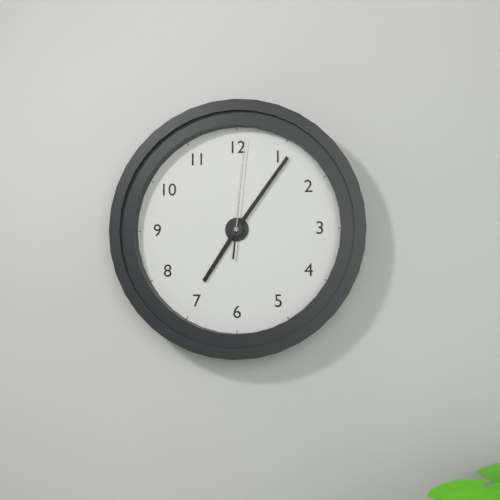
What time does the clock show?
7:06:01
